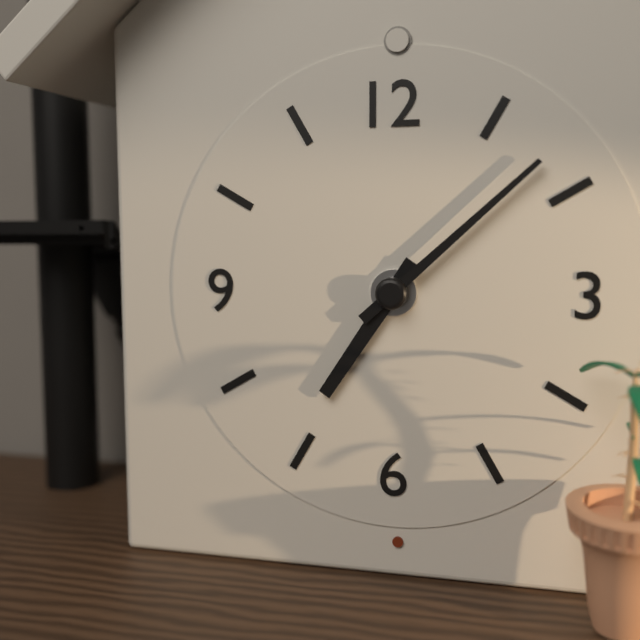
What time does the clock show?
7:08
